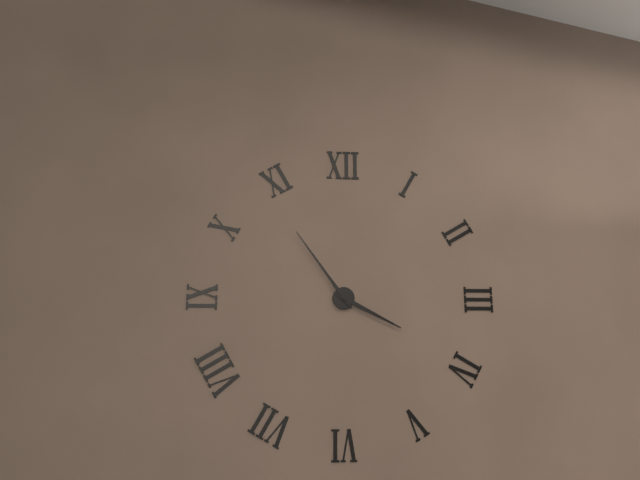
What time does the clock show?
3:54
